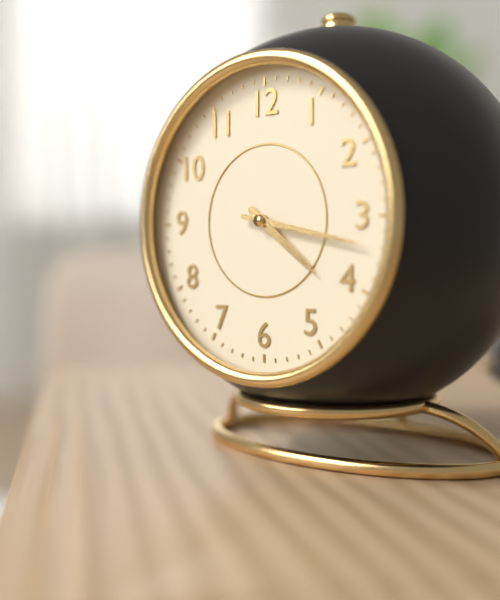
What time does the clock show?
4:17
